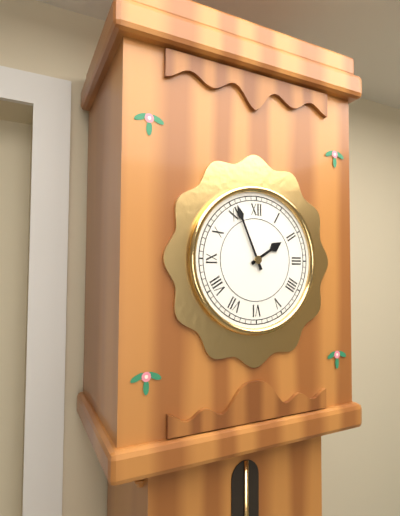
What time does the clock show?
1:56
